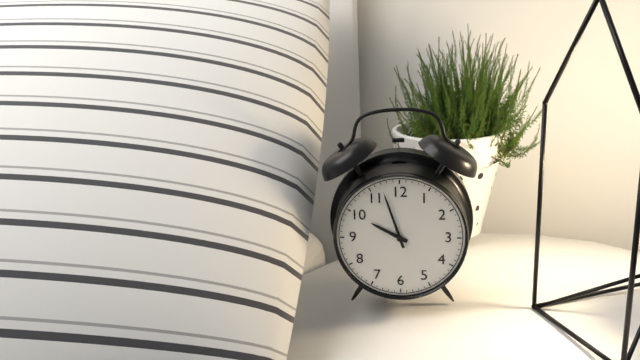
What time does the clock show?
9:57
